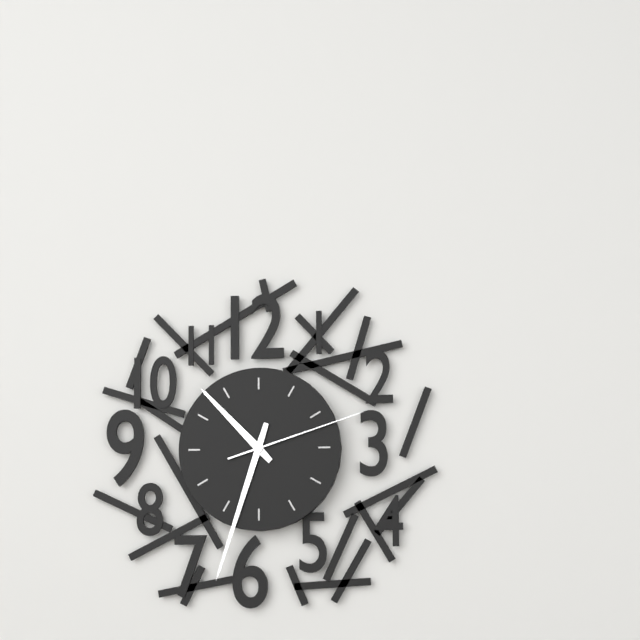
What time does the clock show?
10:33:12
